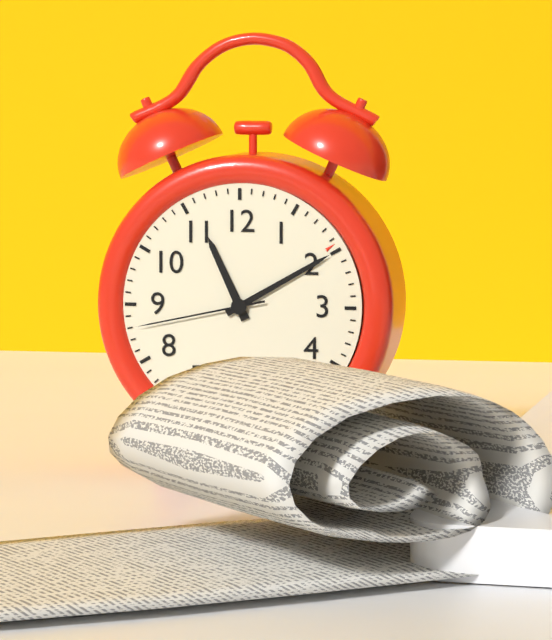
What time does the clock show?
11:10:43
